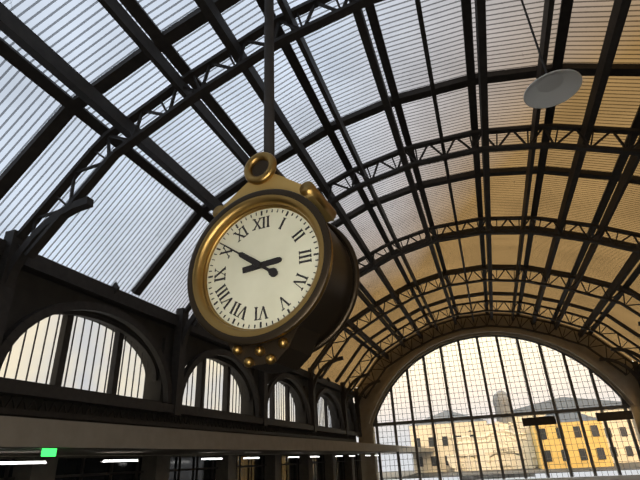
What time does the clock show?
2:51
